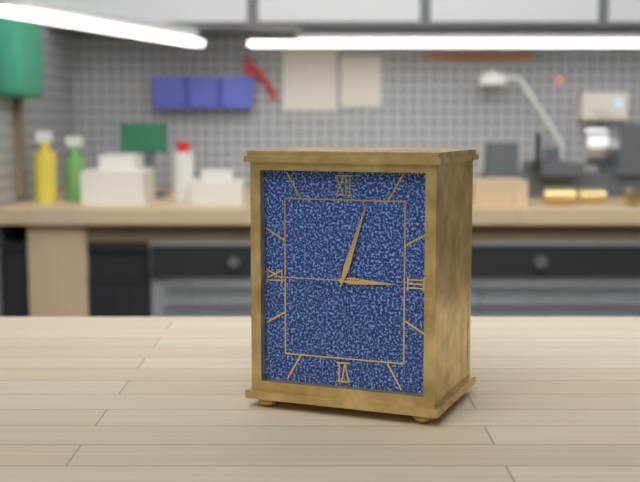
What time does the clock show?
3:03:45
